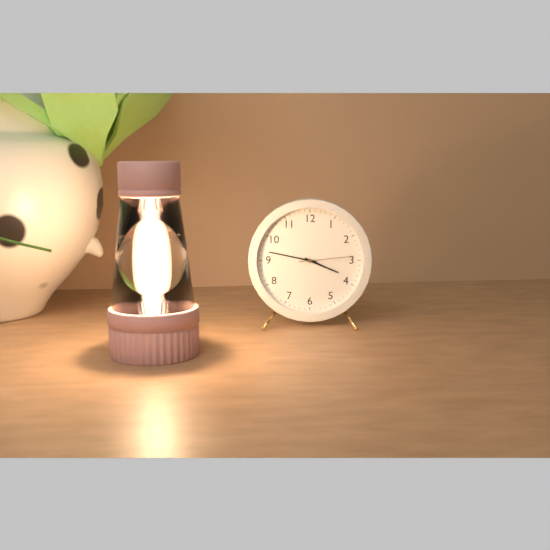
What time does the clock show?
3:47:14
